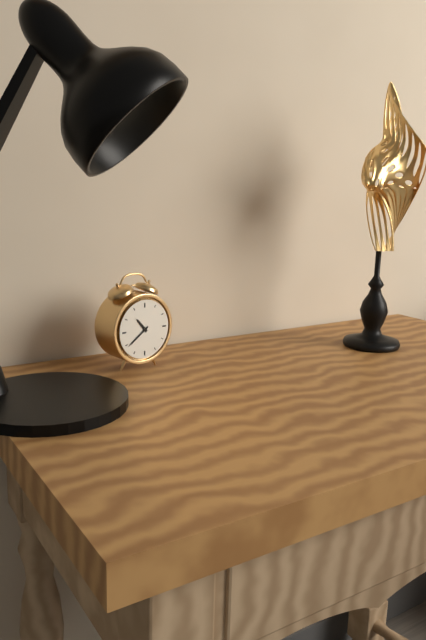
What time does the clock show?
10:39
